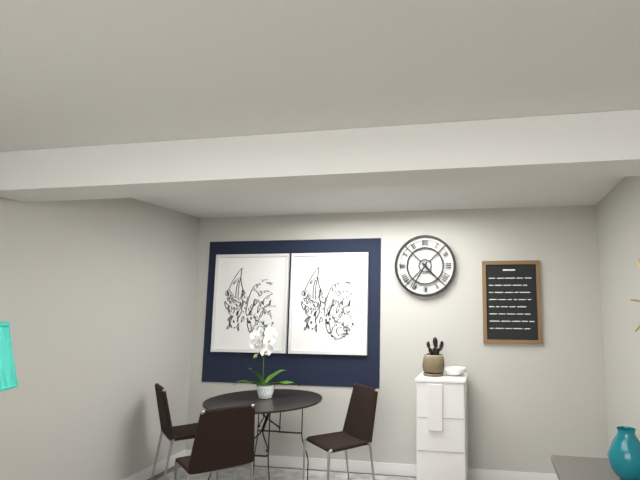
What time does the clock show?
4:35
